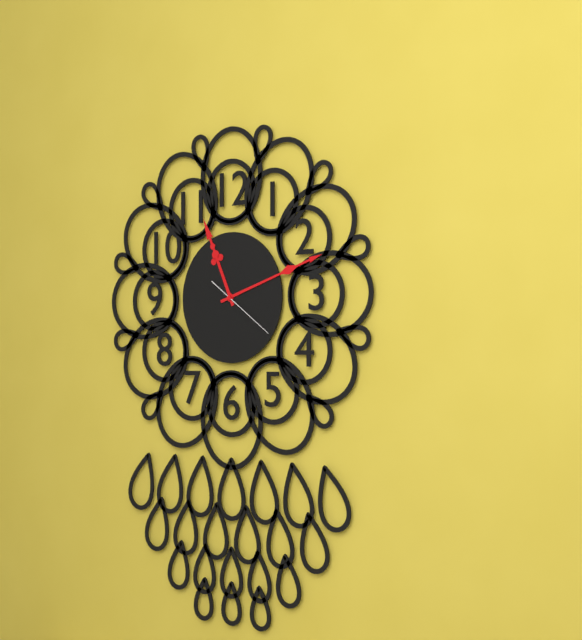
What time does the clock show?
11:12:21
